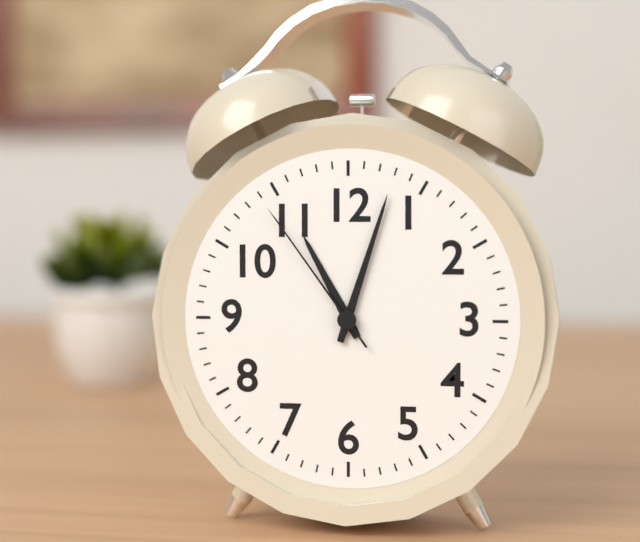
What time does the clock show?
11:03:54
